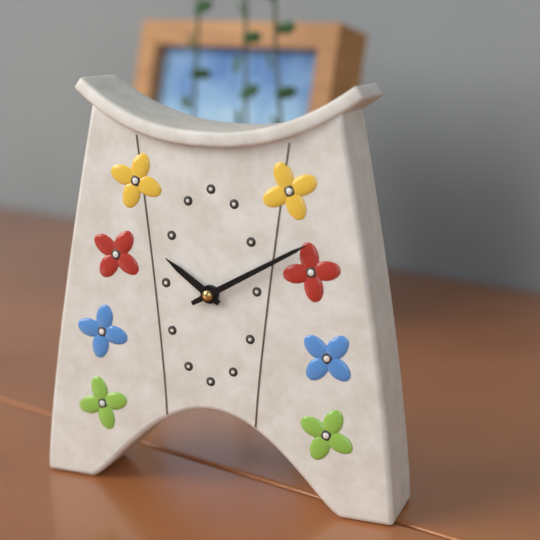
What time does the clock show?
10:10
